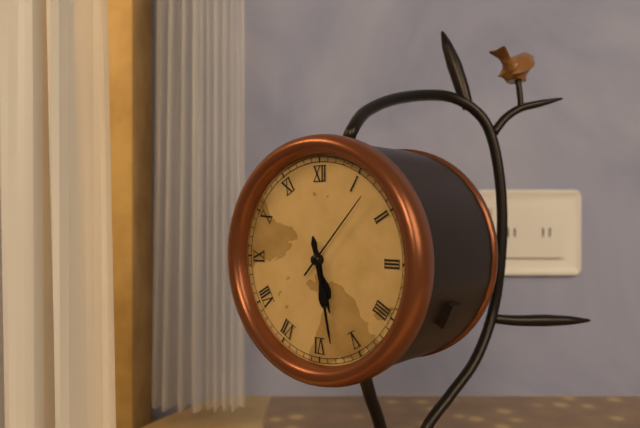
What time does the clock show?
5:28:07
